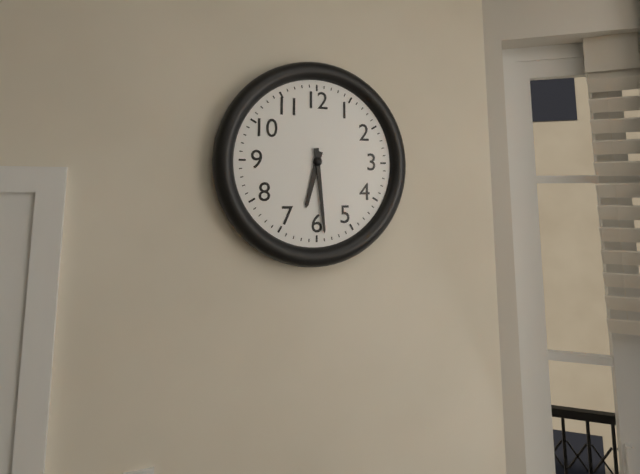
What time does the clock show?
6:29
